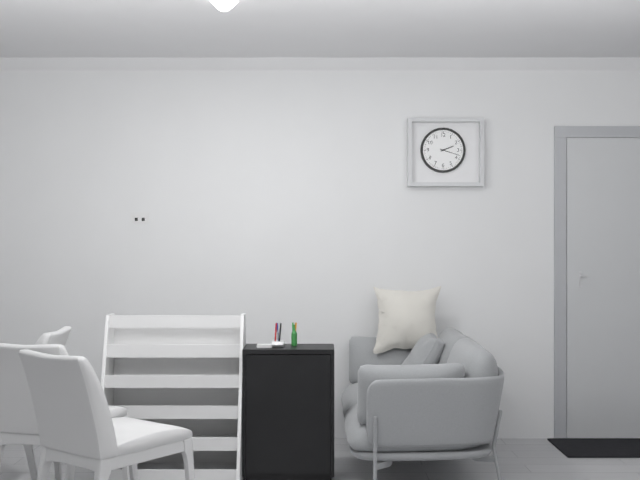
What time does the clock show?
2:18
